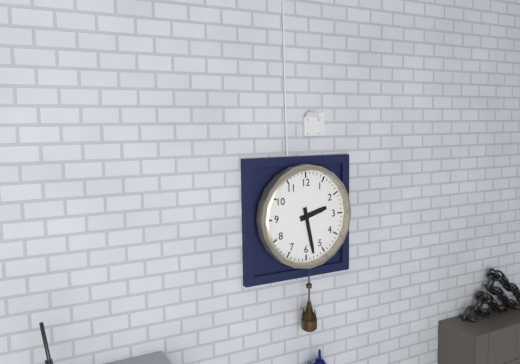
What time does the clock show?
2:28
